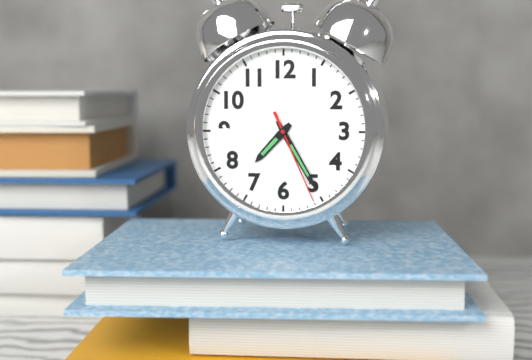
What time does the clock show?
7:25:26
